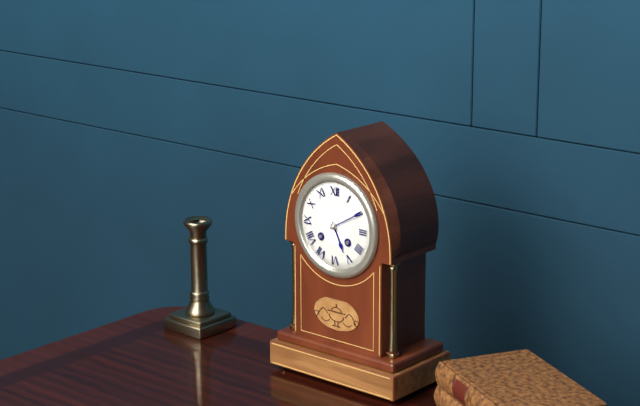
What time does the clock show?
5:10
